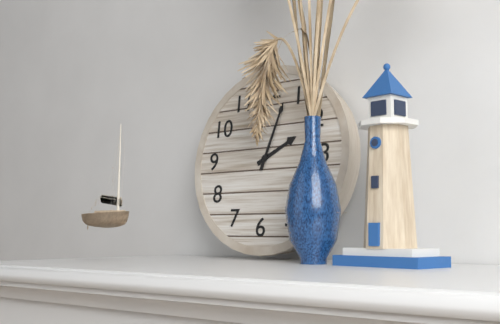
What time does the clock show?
2:03
